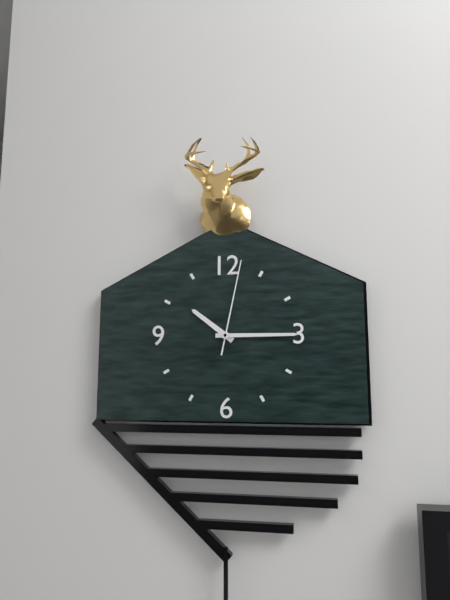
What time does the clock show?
10:15:02
